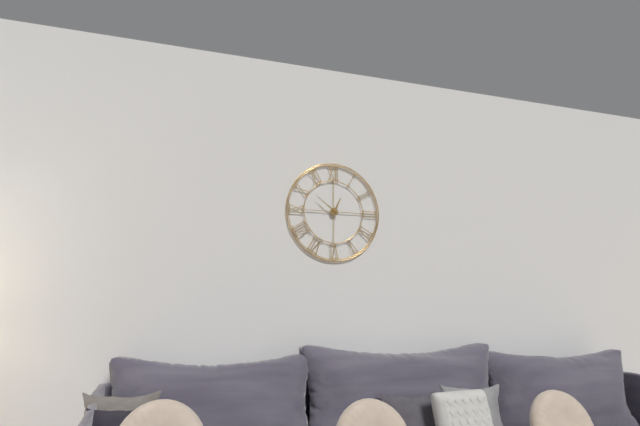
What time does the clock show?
12:51
